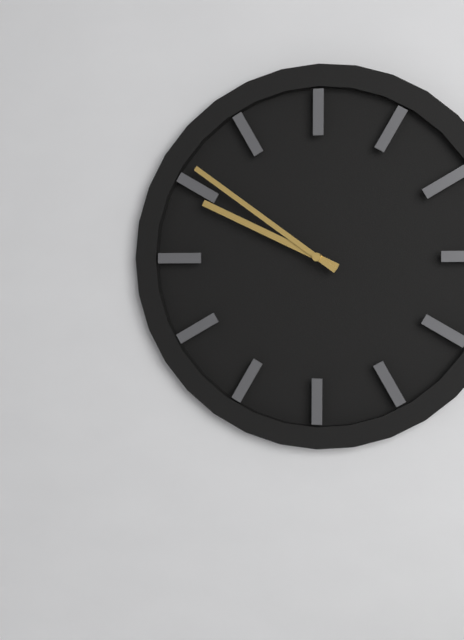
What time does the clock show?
9:51
